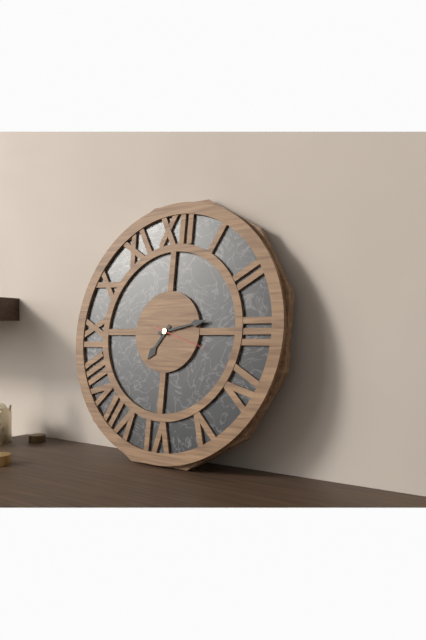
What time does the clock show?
7:13:18
